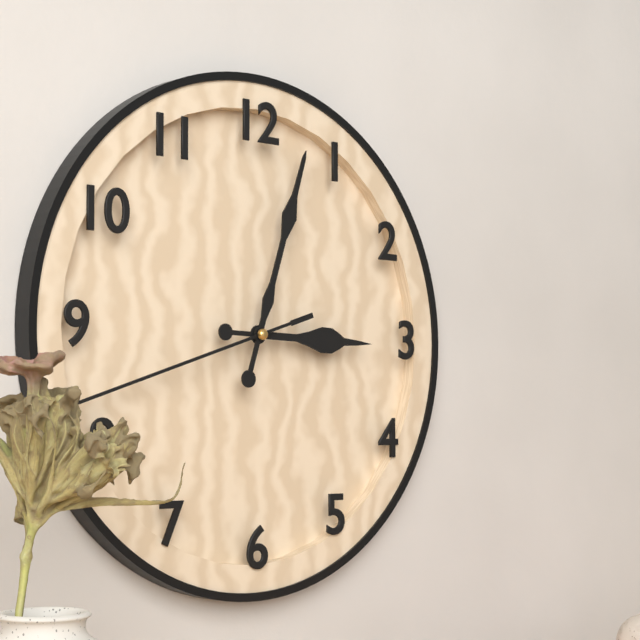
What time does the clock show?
3:03:42
